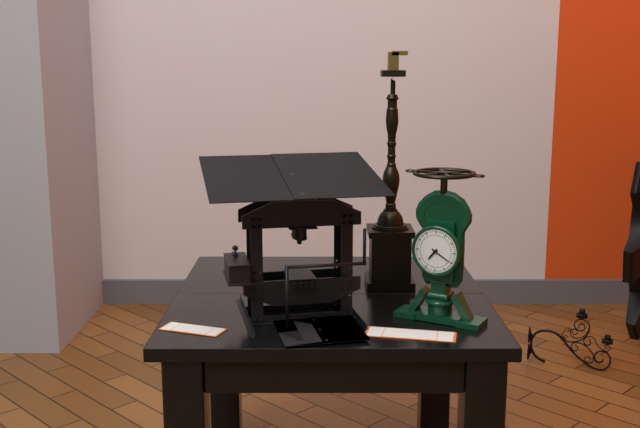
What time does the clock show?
7:20
